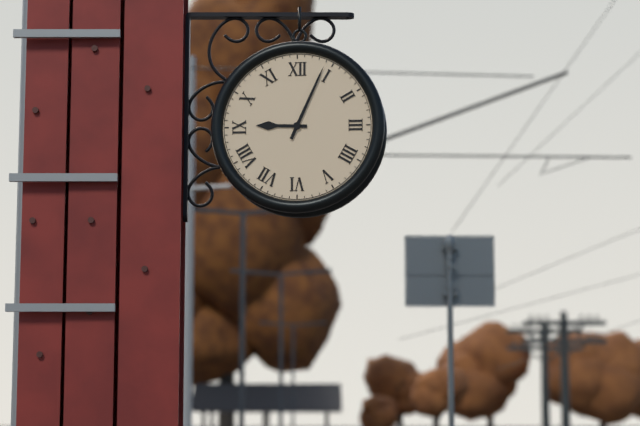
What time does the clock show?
9:04
